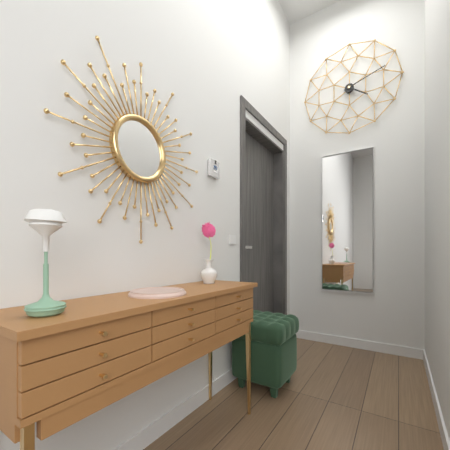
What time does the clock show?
4:12
